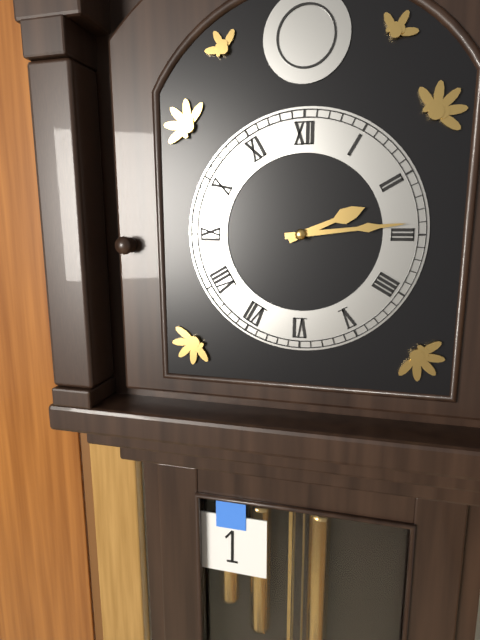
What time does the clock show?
2:14
